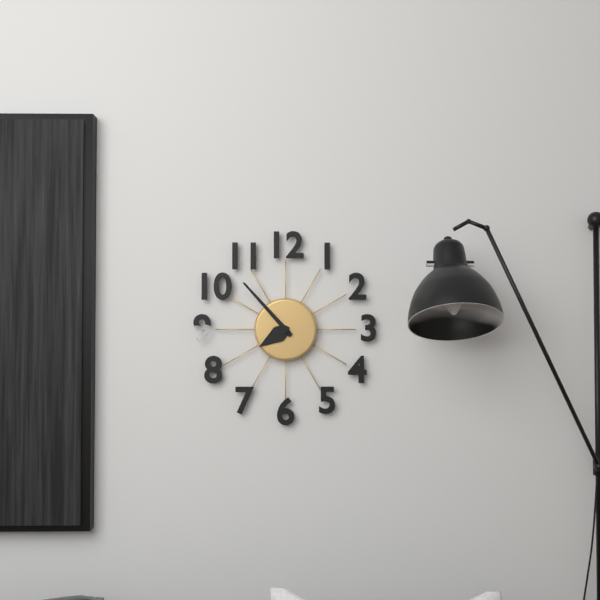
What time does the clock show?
7:53
